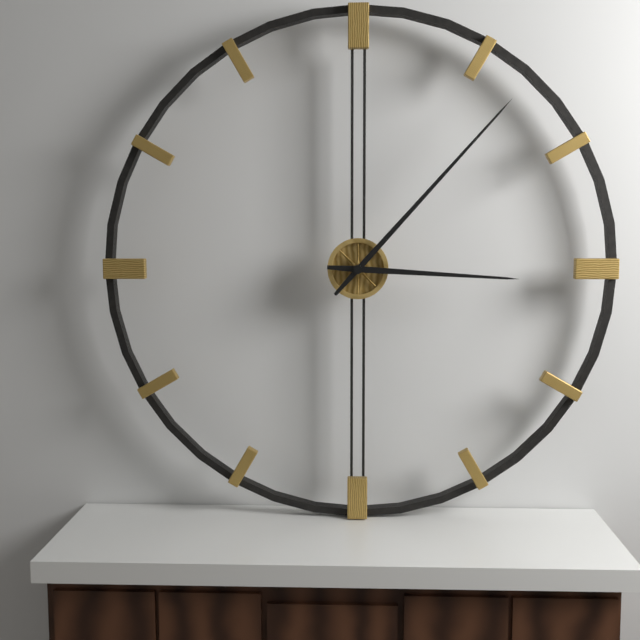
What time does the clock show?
3:07
